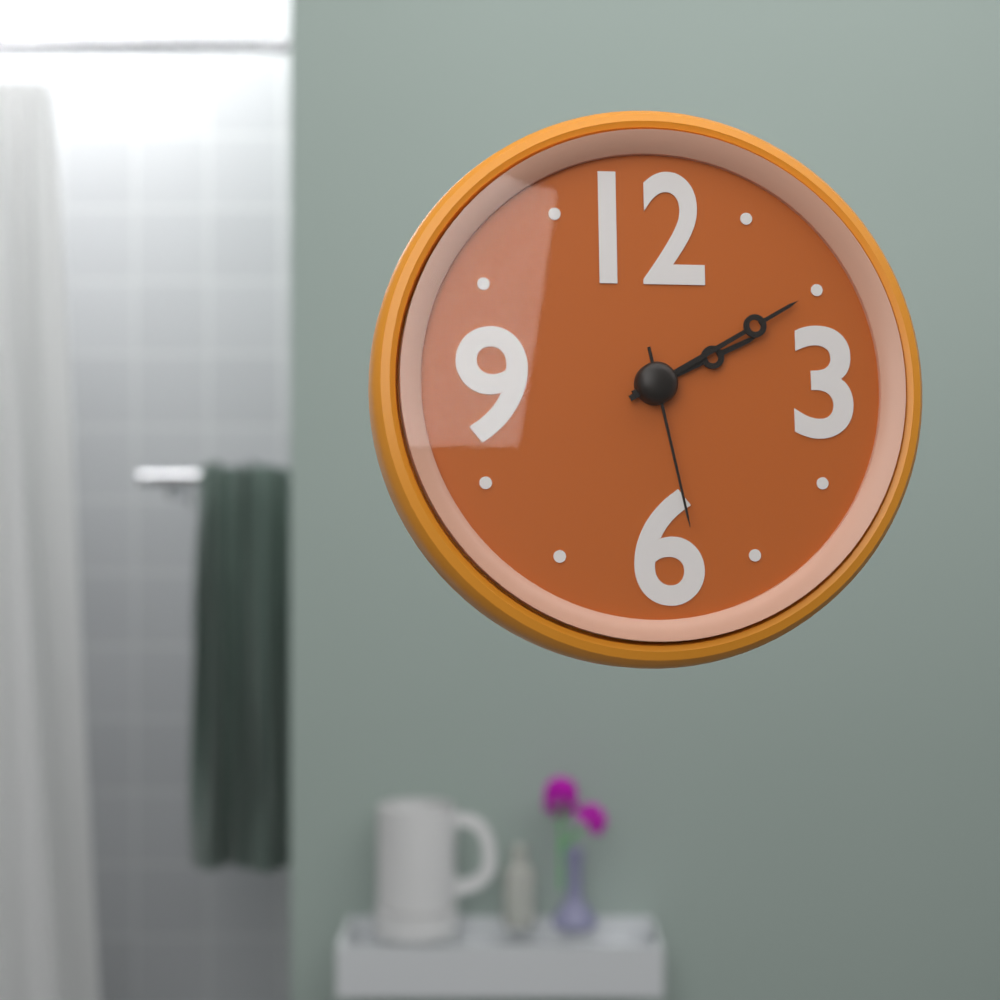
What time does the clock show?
2:10:28
